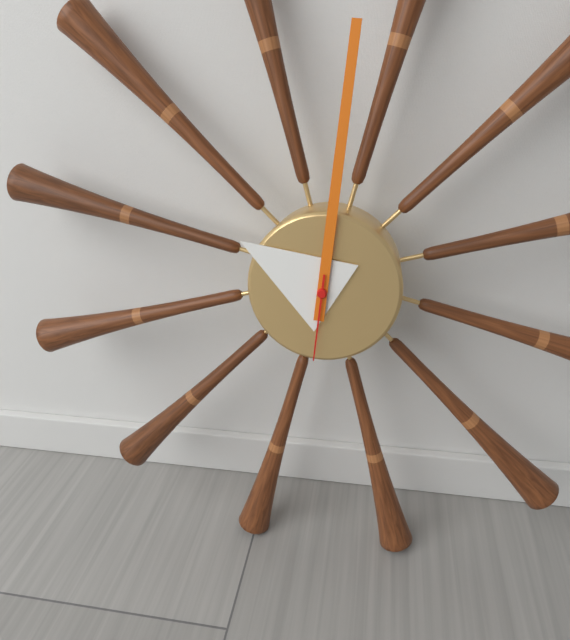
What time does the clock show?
10:01:31
